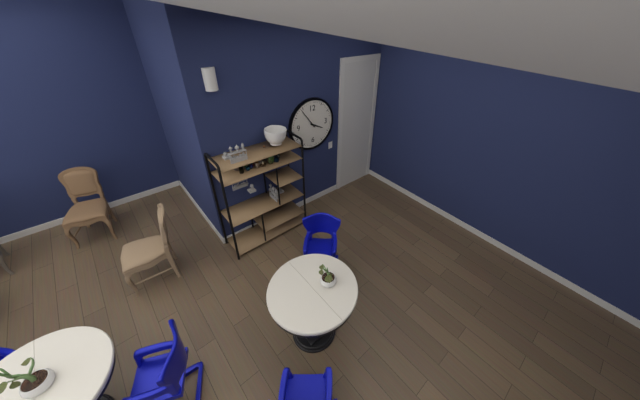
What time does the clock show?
3:54
